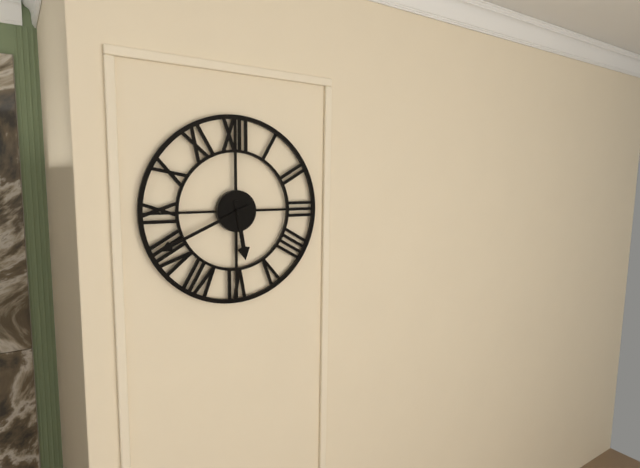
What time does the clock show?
5:41
